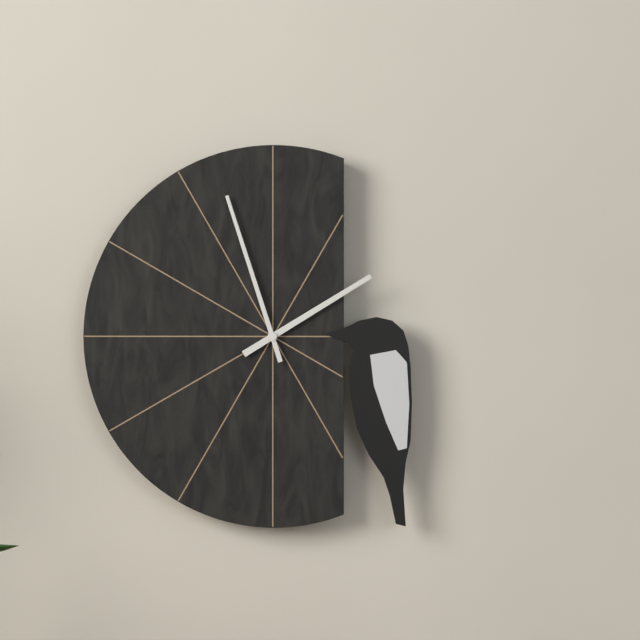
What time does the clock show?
1:57
